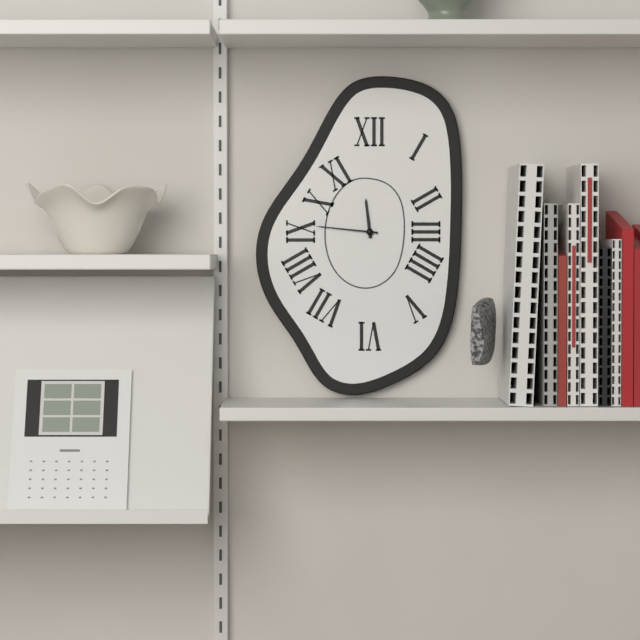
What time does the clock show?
11:46
